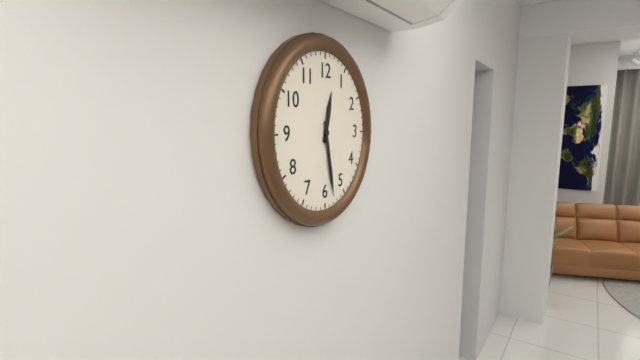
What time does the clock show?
12:28
